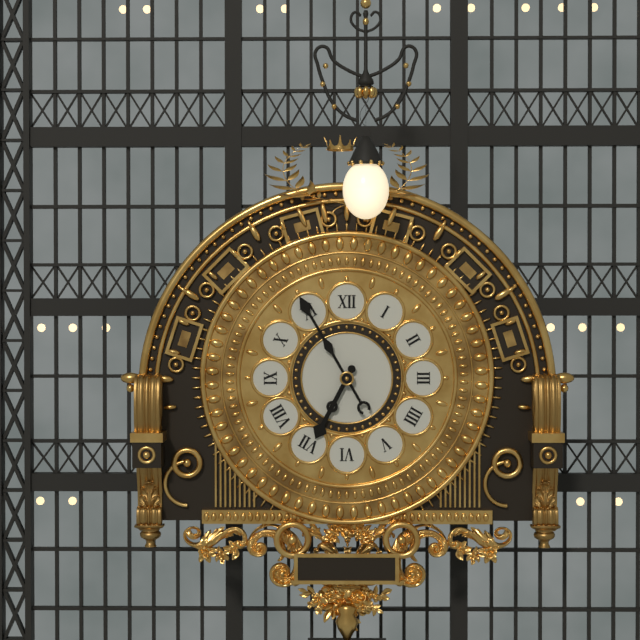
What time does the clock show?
6:55
